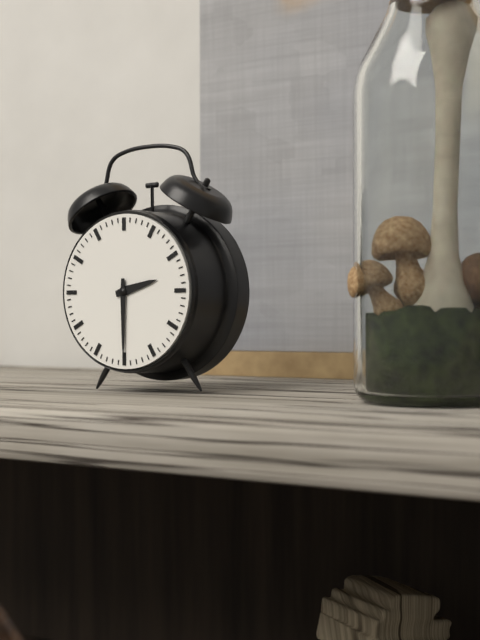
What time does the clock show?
2:30
